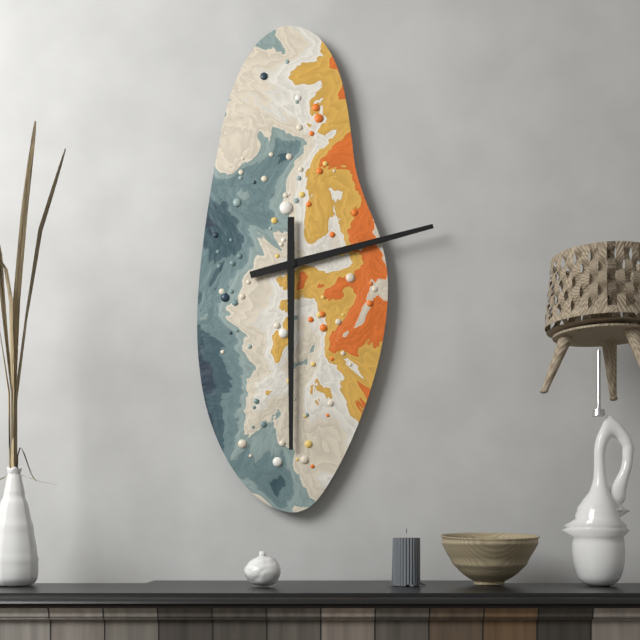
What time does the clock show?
2:30
